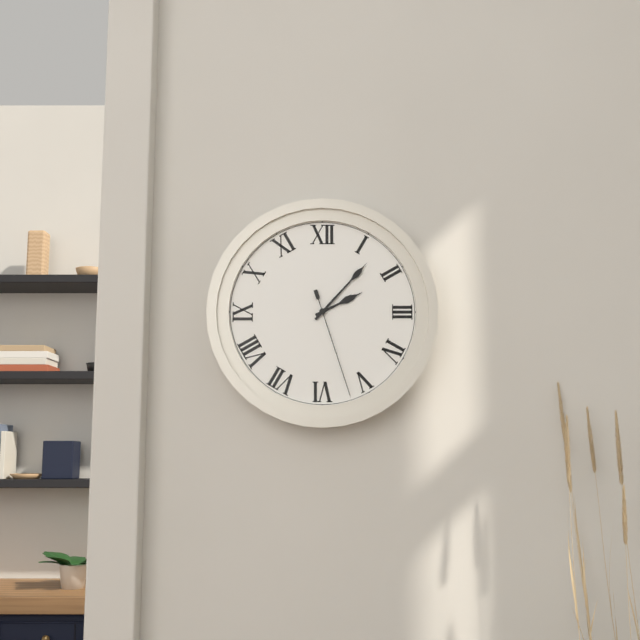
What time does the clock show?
2:07:27
